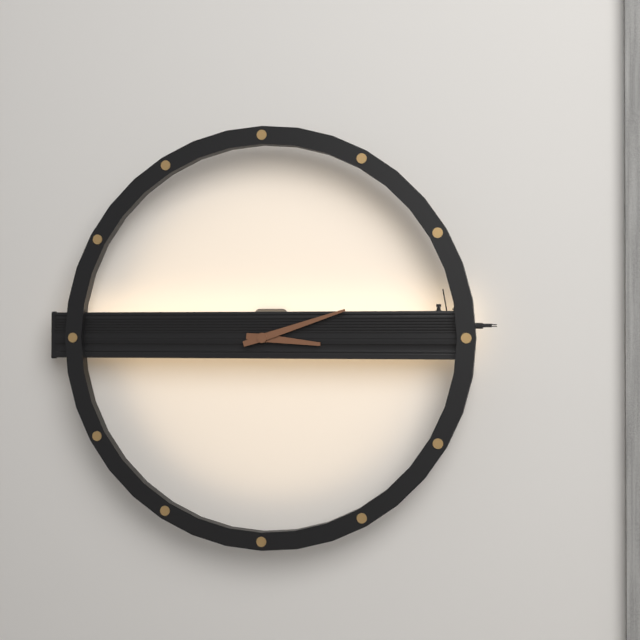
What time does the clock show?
3:12
